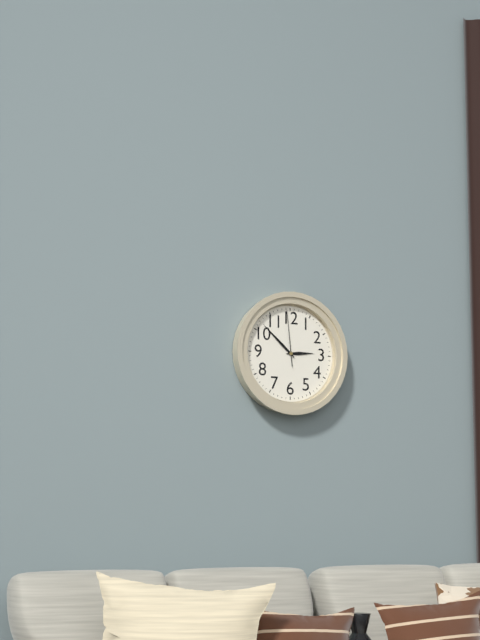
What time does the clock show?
2:52:59
